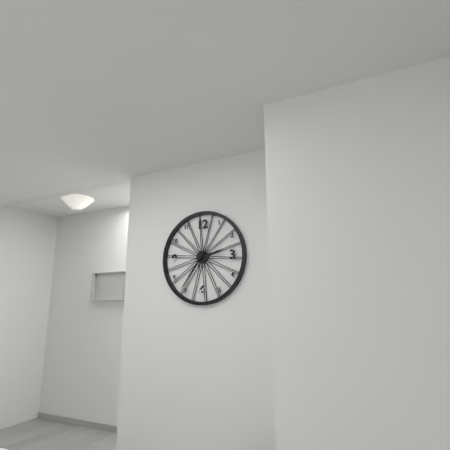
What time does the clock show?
2:36
